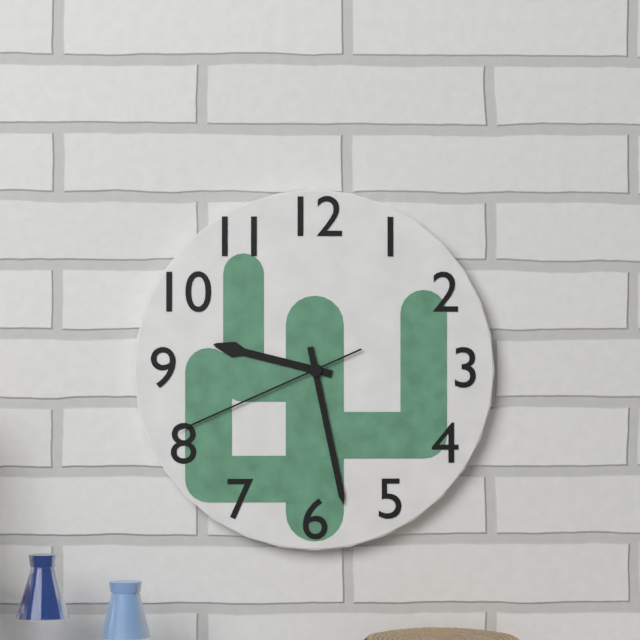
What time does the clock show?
9:28:41
